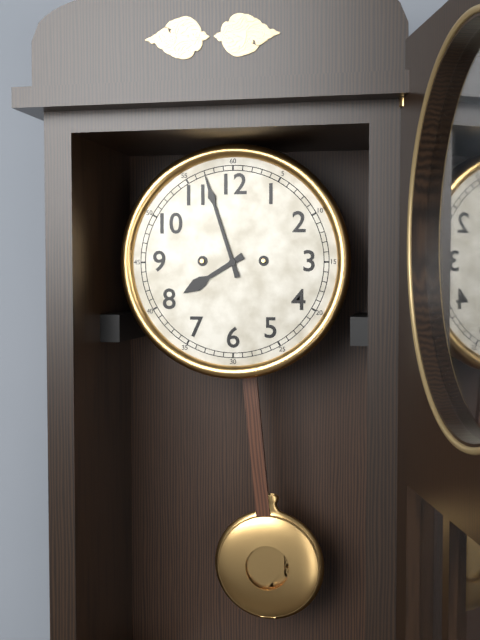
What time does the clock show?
7:57
